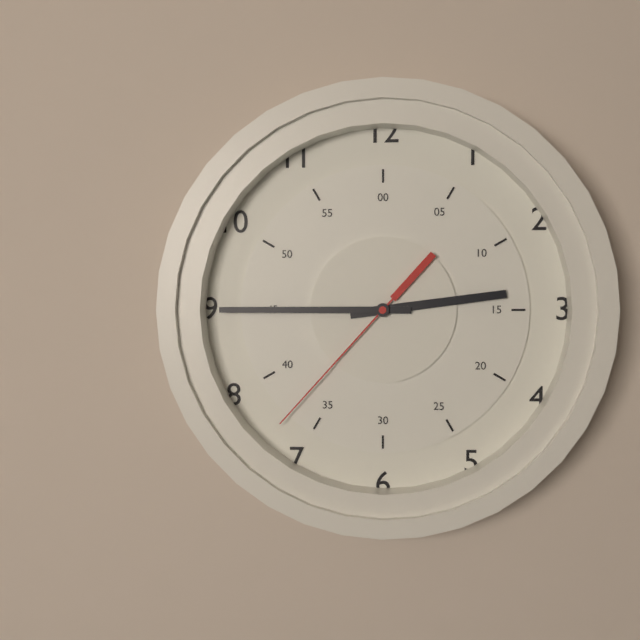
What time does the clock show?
2:45:37
